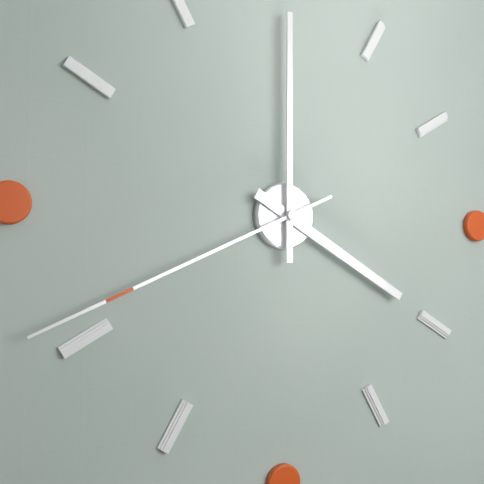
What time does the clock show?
4:00:41
